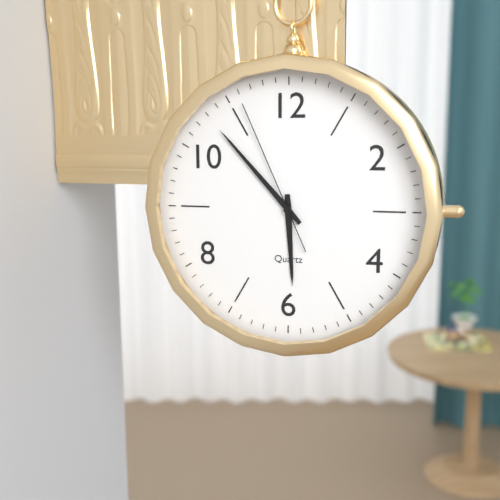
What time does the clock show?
5:53:56
